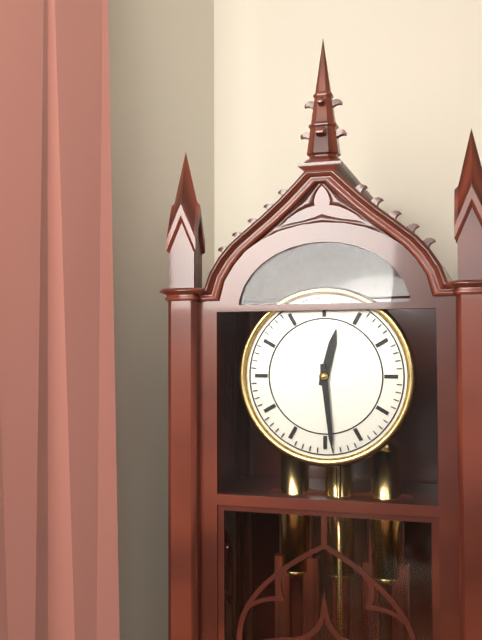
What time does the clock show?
12:29
